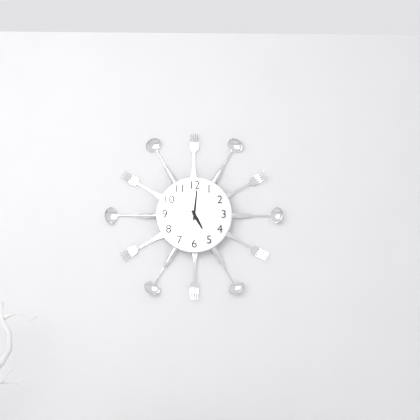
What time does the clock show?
5:01
